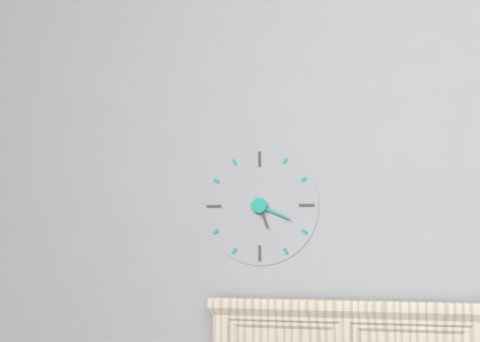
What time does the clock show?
5:19
